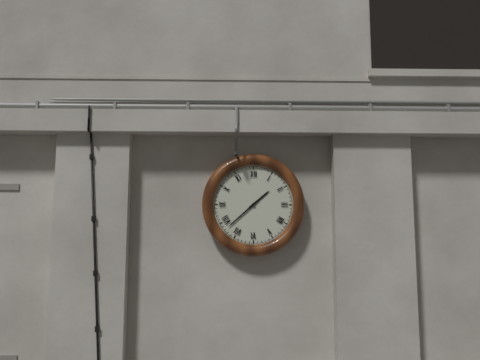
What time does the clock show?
1:38
